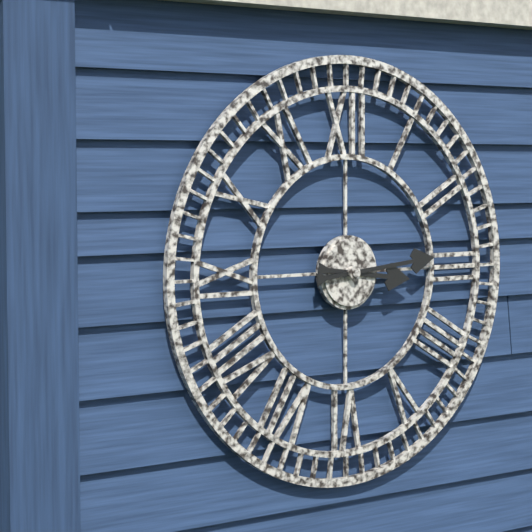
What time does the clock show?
3:14
